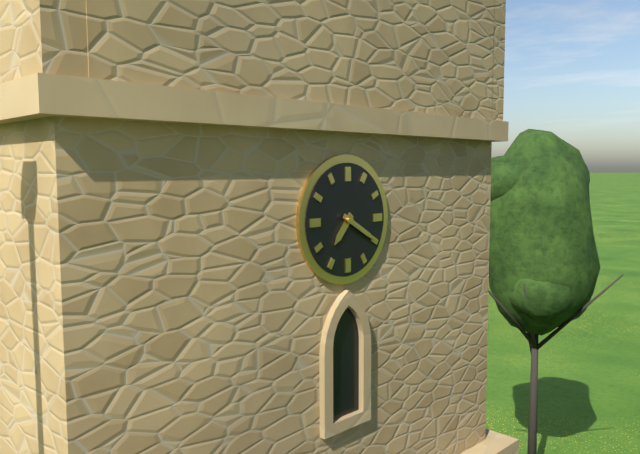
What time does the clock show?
7:20
